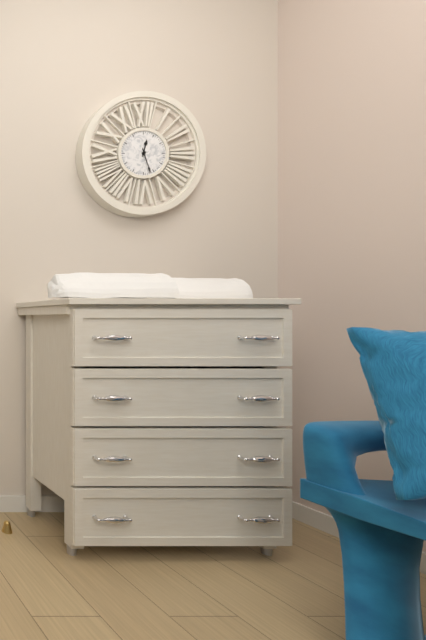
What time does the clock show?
12:27
